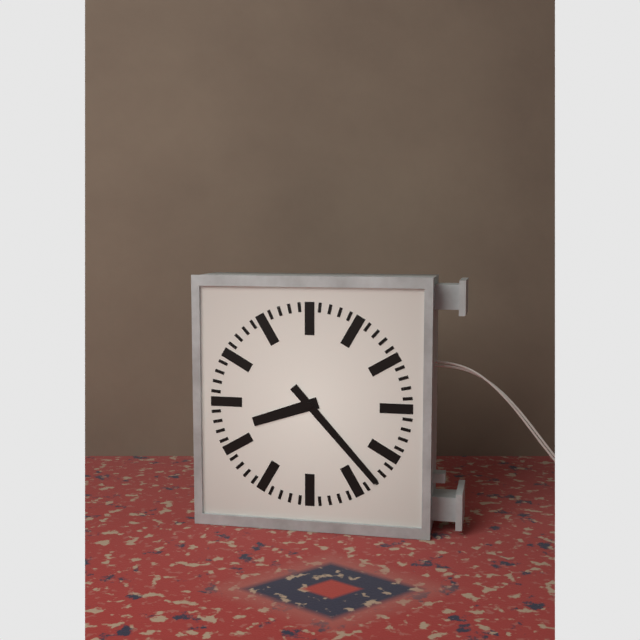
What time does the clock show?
8:23
